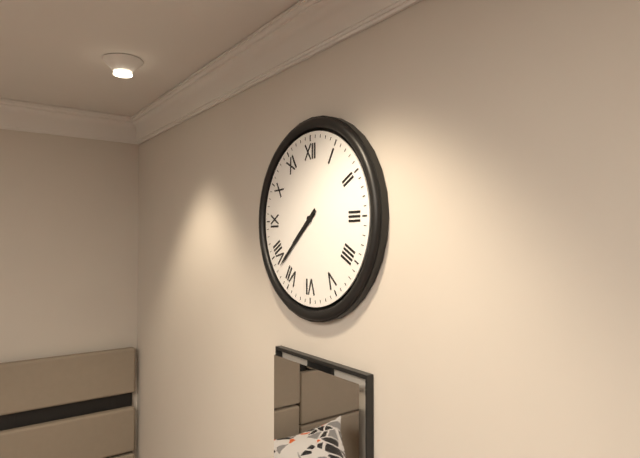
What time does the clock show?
7:38
